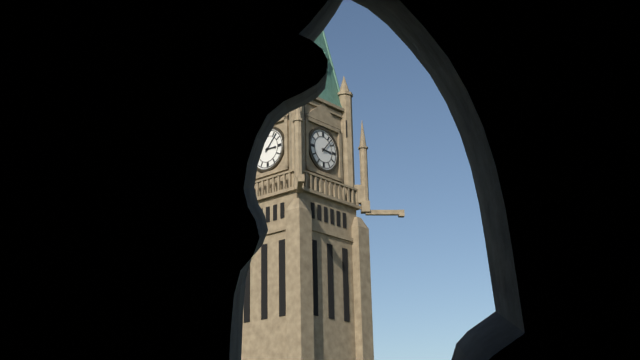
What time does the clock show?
3:07
